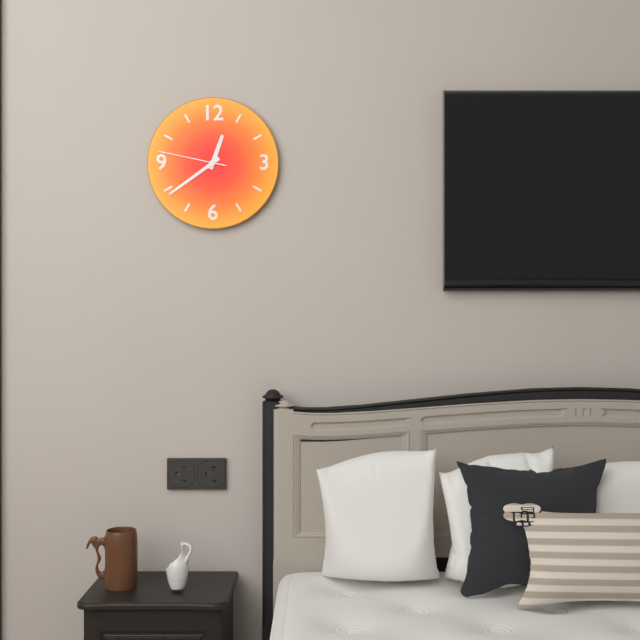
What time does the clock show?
12:39:47
